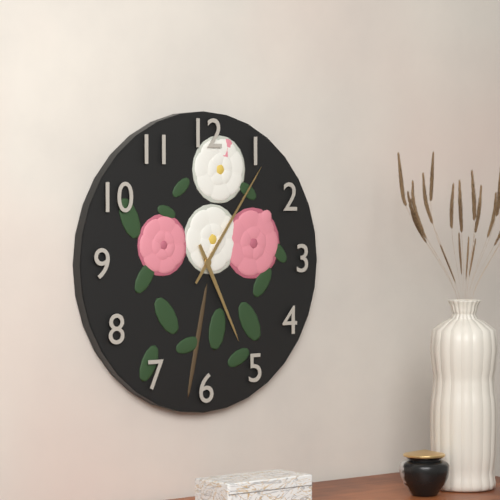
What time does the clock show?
5:06
